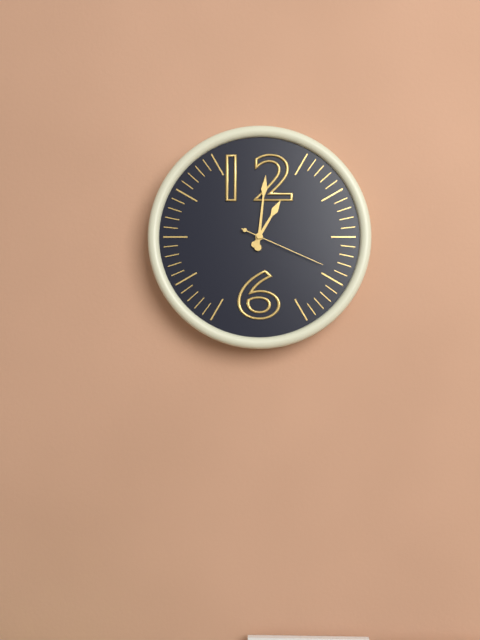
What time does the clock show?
1:01:19
